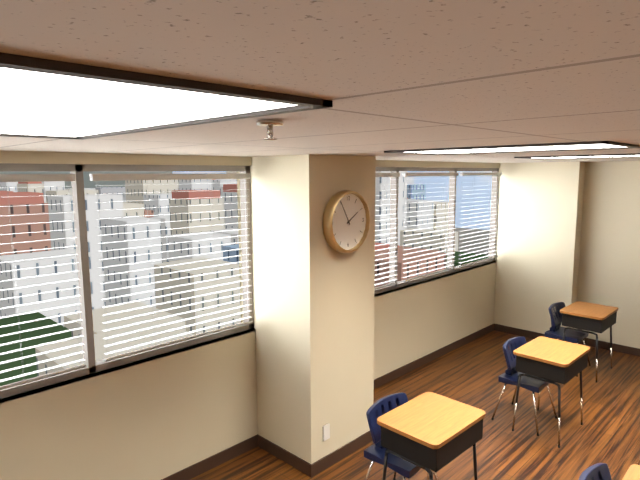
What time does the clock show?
1:55
